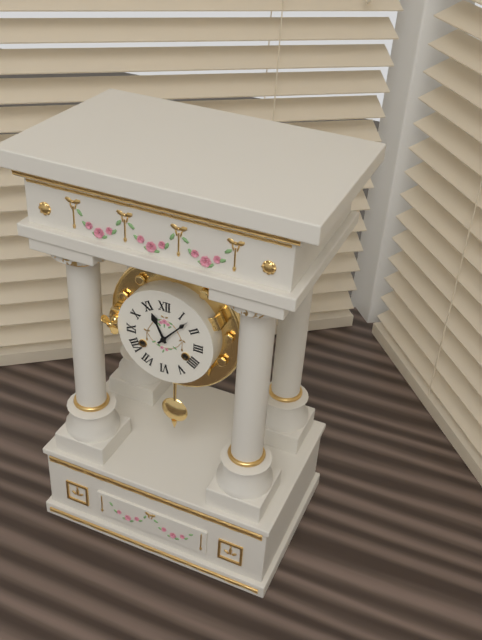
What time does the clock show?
11:07
